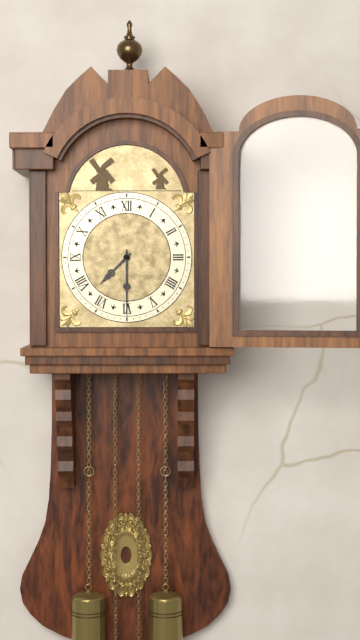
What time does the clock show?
7:30
